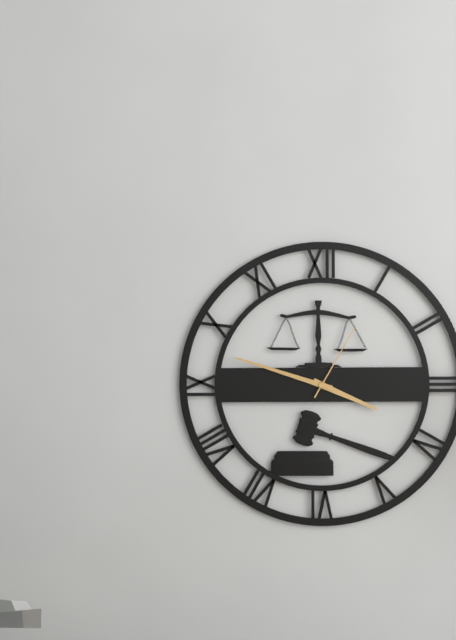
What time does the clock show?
3:48:05
